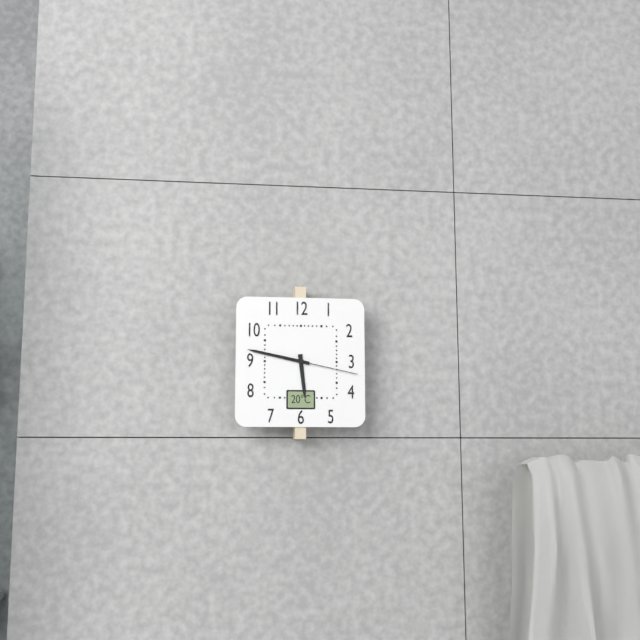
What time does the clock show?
5:47:17
